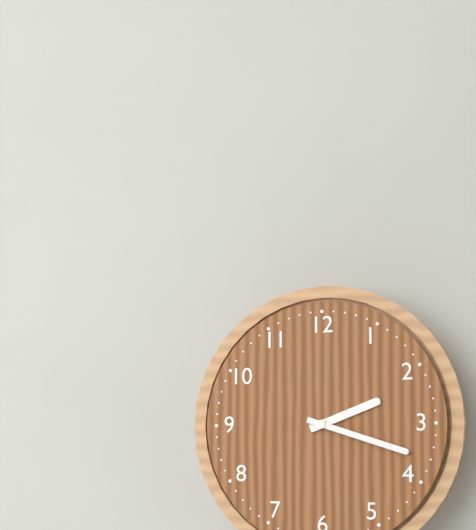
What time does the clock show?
2:18
